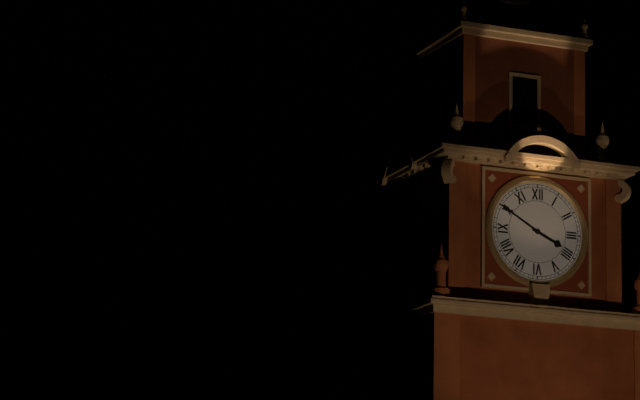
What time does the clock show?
3:50
